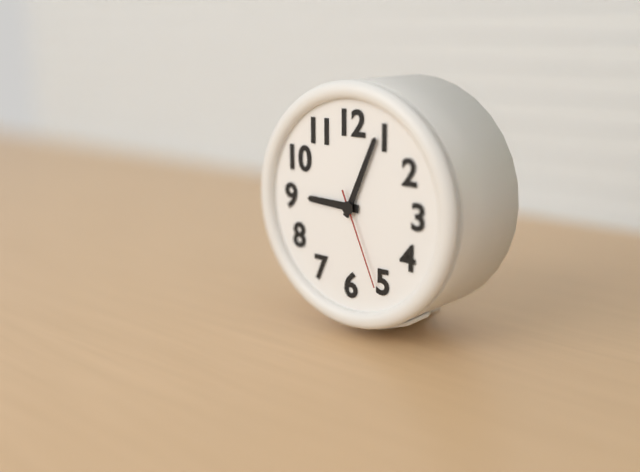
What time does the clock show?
9:04:26
